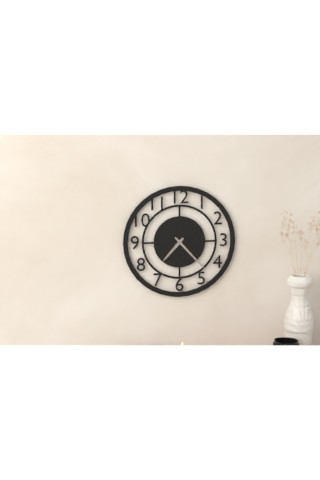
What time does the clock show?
7:23
